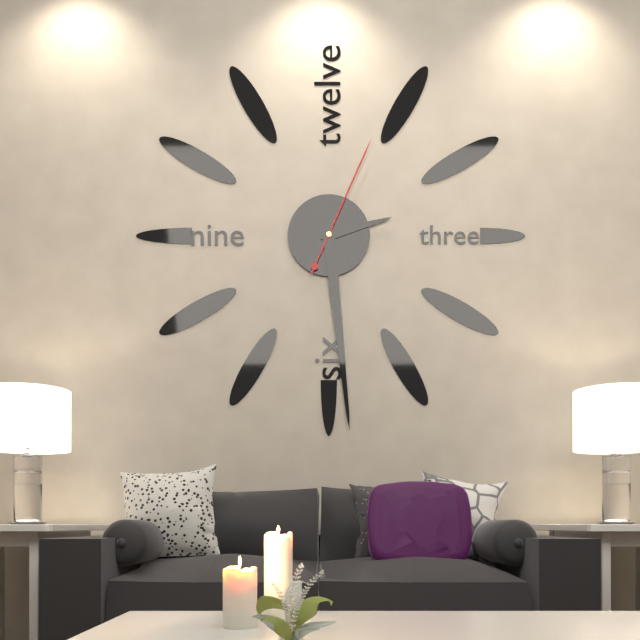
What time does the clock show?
2:29:04
